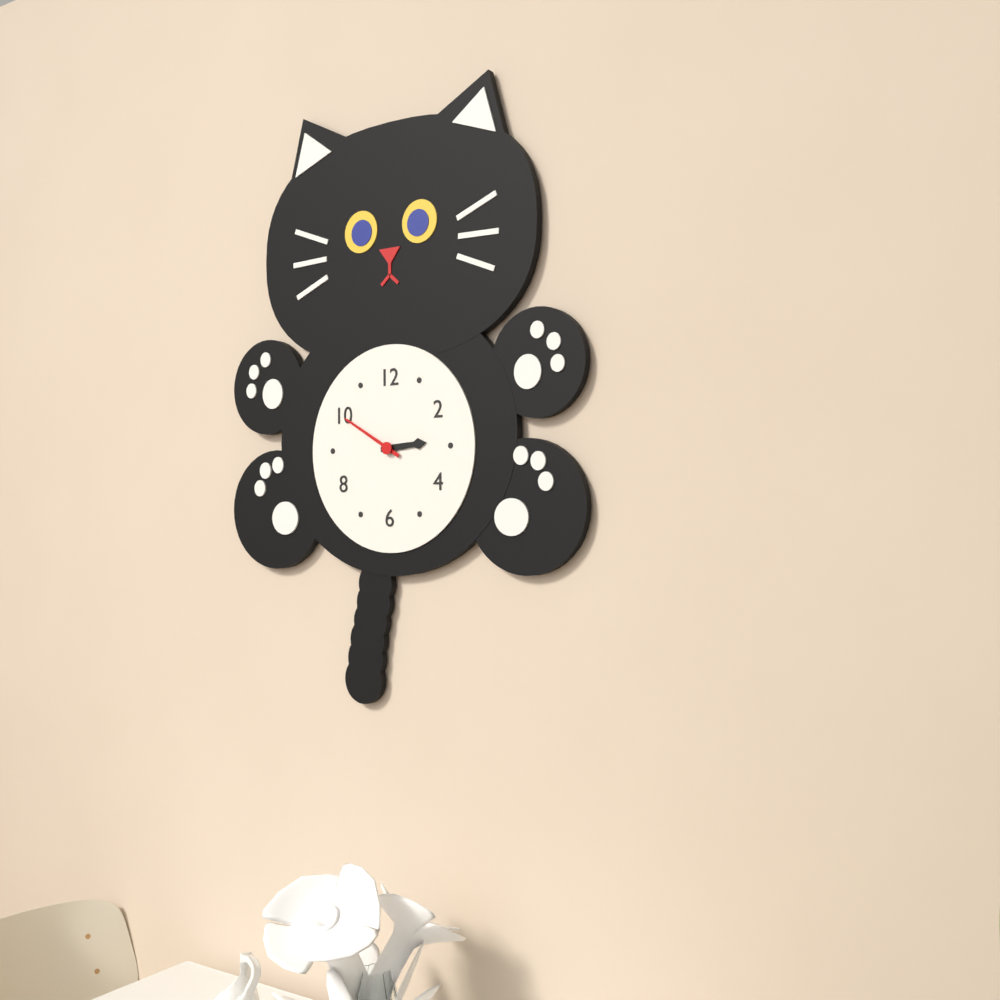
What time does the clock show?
2:50
